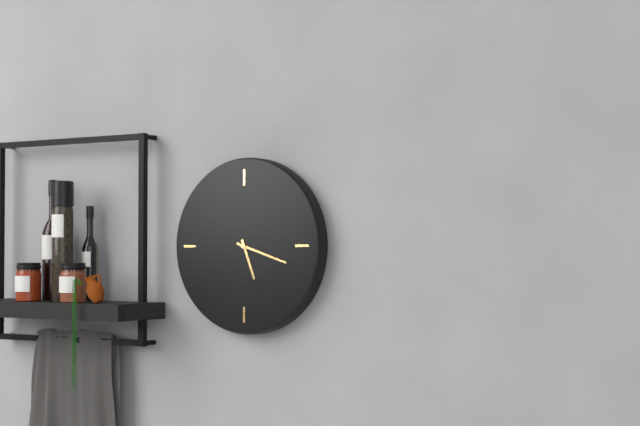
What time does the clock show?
5:18
